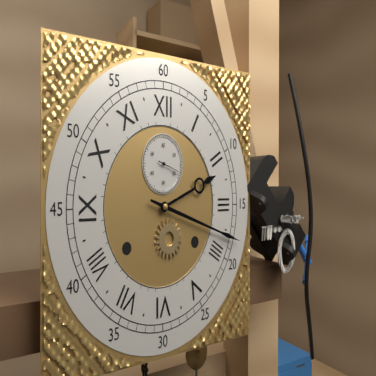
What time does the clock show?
2:18
